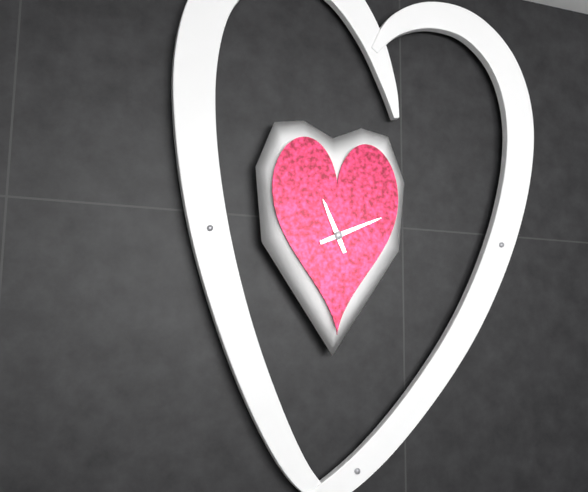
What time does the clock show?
11:11
